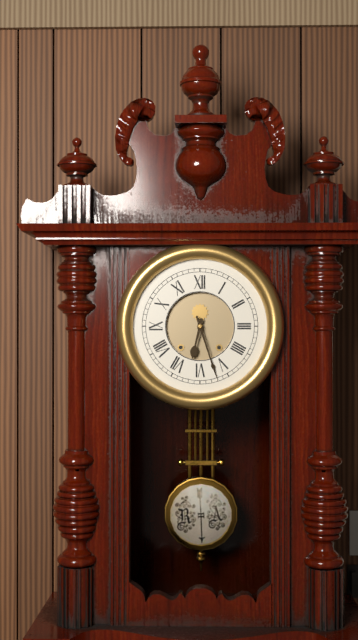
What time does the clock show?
6:27
